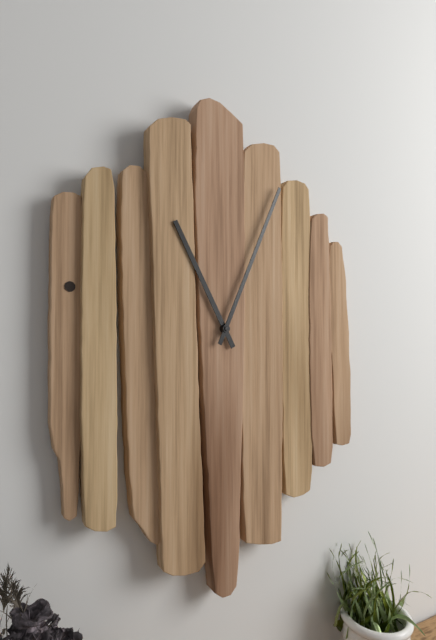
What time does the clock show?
11:04
